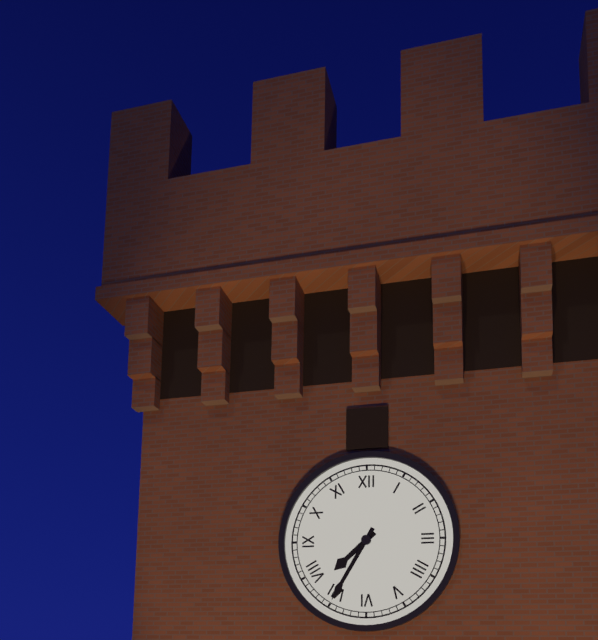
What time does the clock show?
7:35
